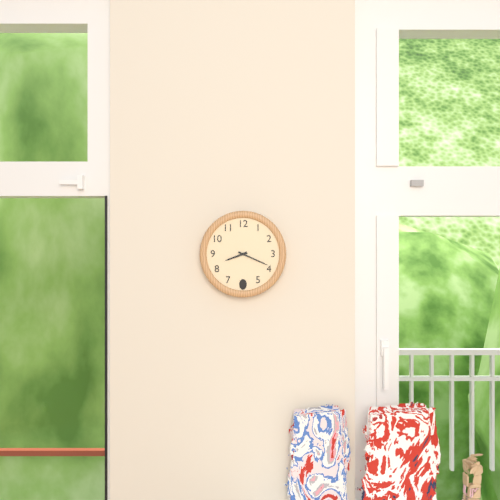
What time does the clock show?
8:19
